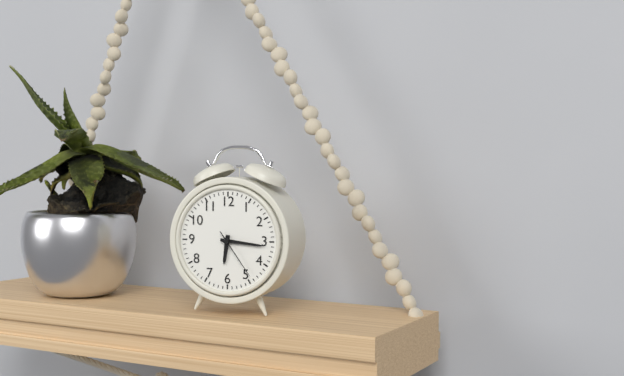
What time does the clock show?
6:16:24
